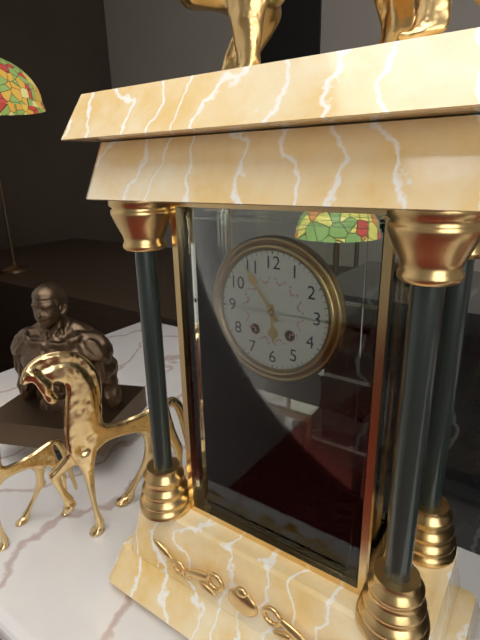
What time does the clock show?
5:54
